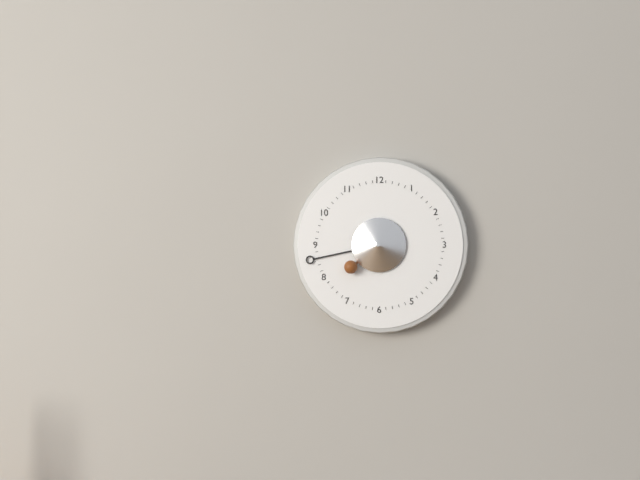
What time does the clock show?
7:43
